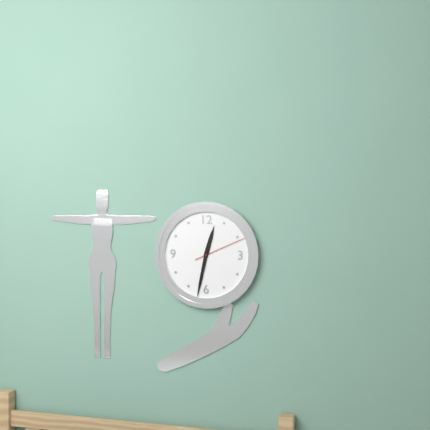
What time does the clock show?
12:32:11
